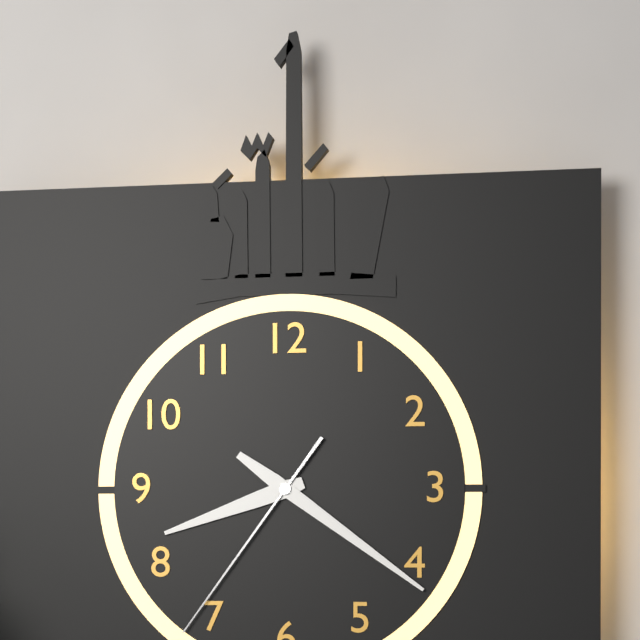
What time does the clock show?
8:21:36
